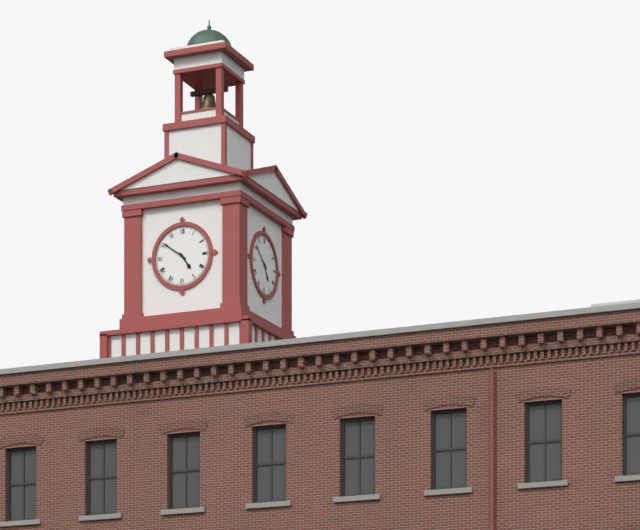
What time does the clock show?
4:51
